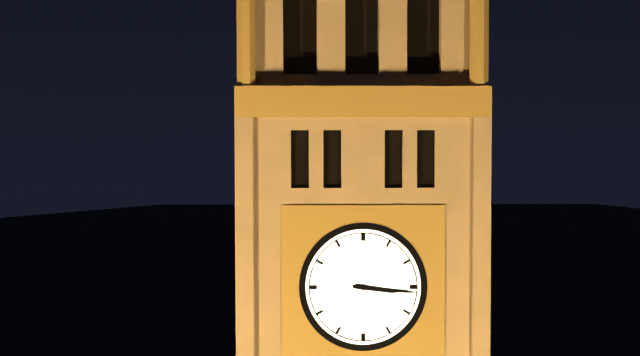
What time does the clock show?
3:16
